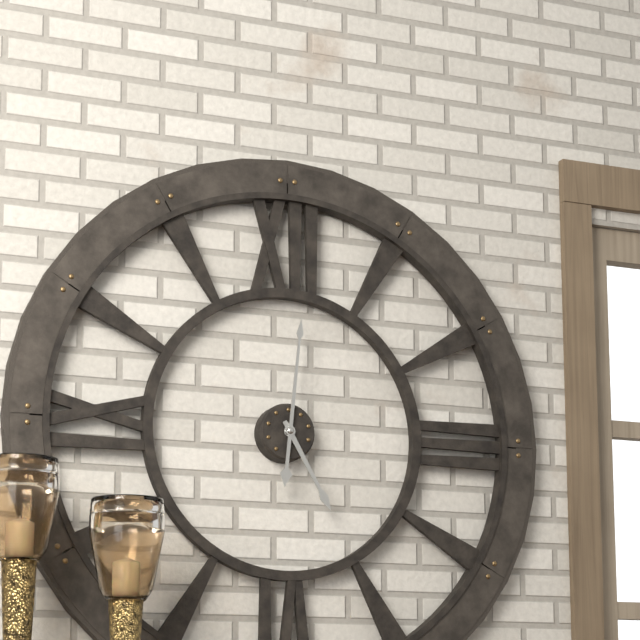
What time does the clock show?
5:01
